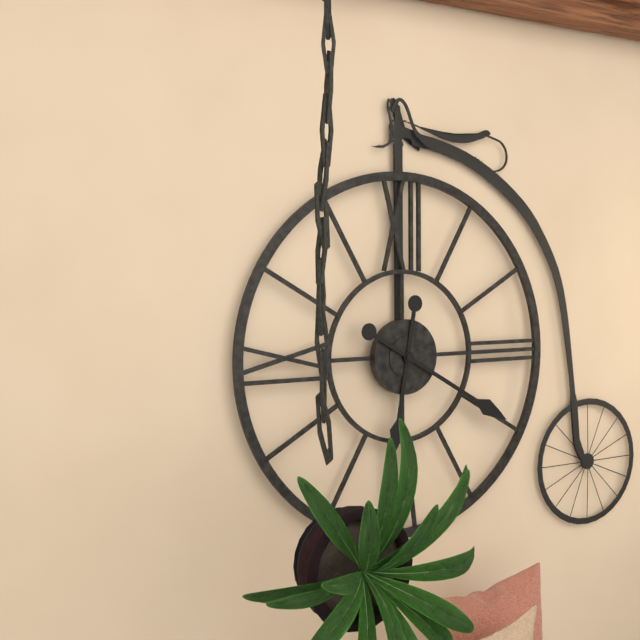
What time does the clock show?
6:20
